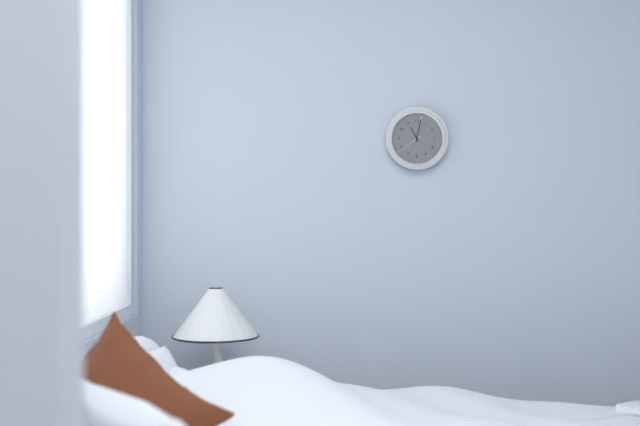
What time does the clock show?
11:02
